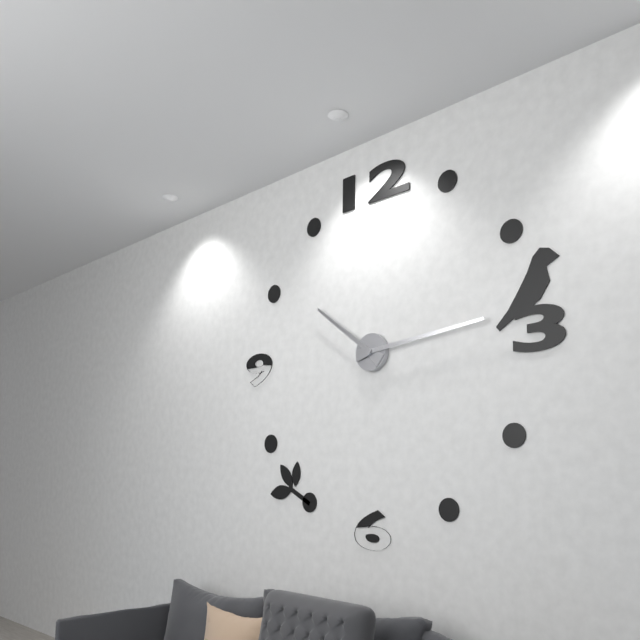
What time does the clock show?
10:14
